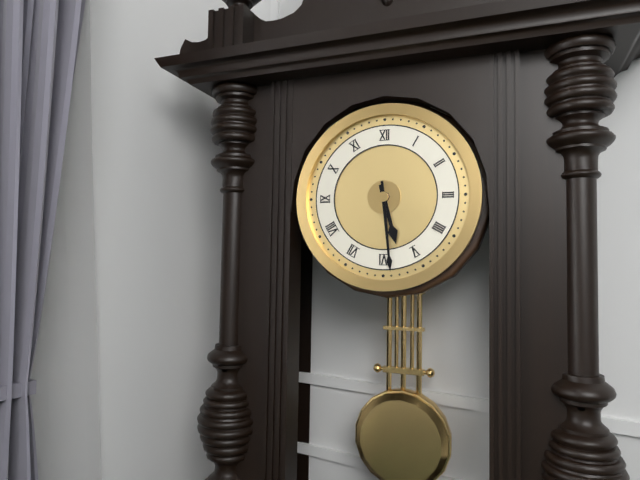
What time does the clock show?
5:29
